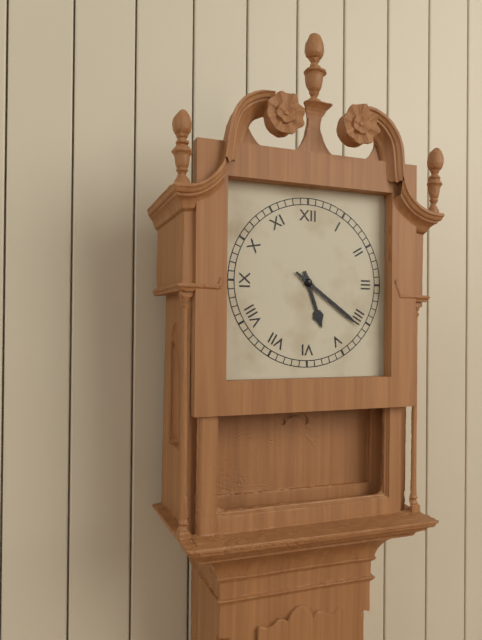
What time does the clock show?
5:21
